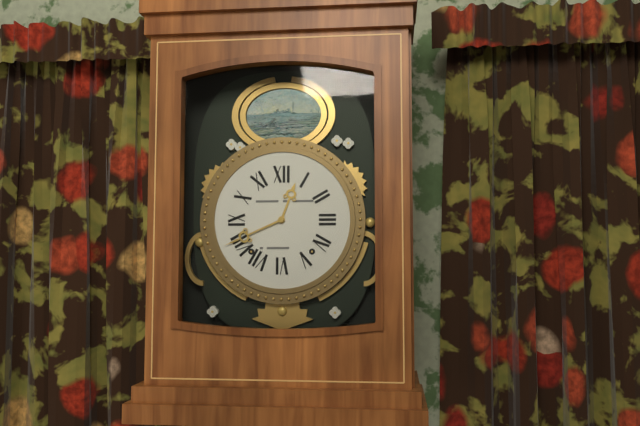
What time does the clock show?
12:41
